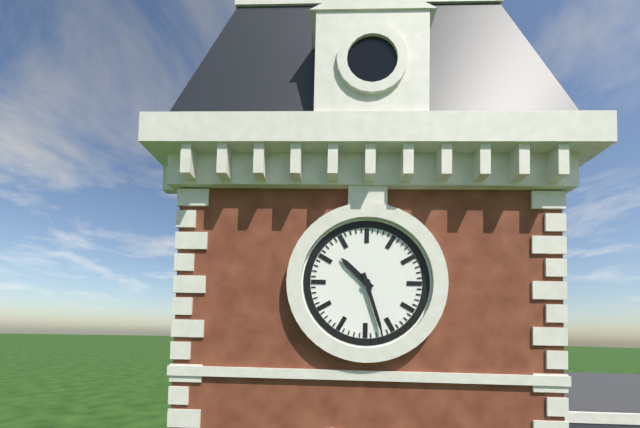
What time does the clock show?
10:27
